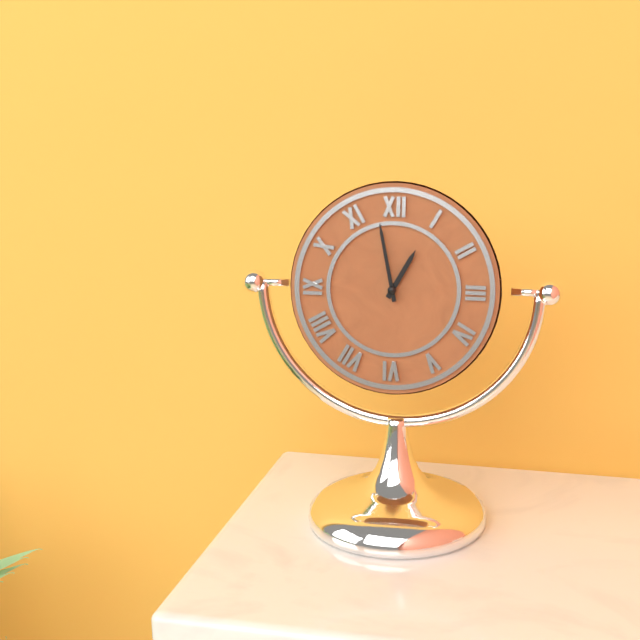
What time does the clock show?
12:58
